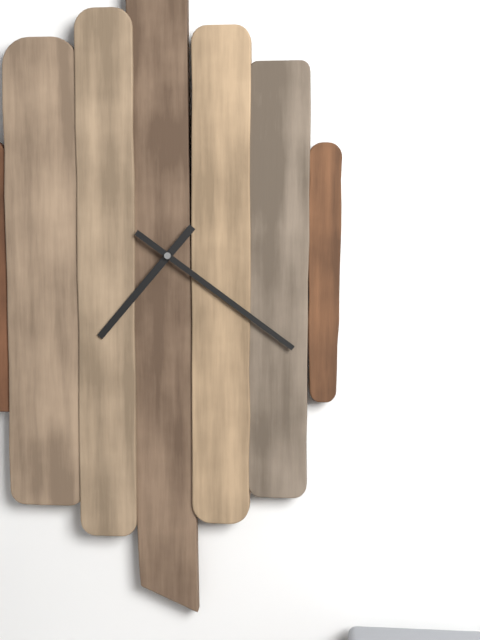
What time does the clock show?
7:21
